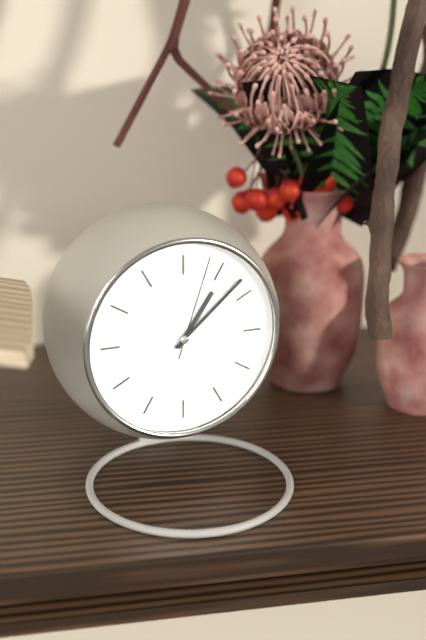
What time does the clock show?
1:08:03
